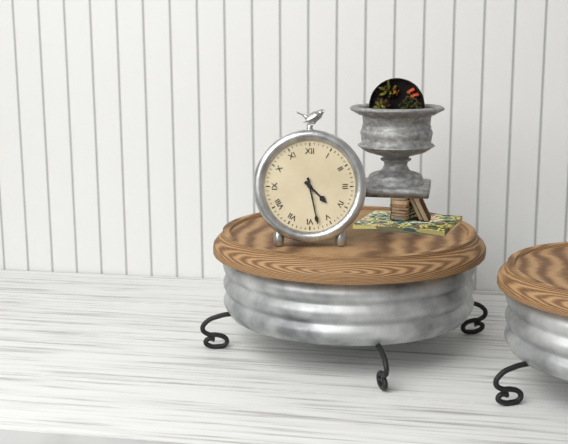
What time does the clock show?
4:28
